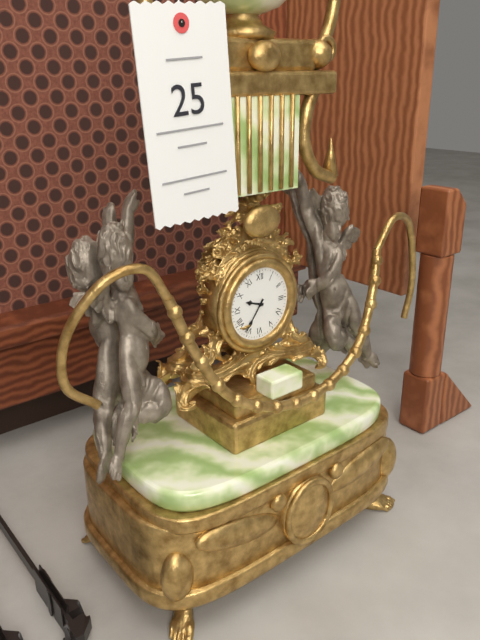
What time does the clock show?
9:36
